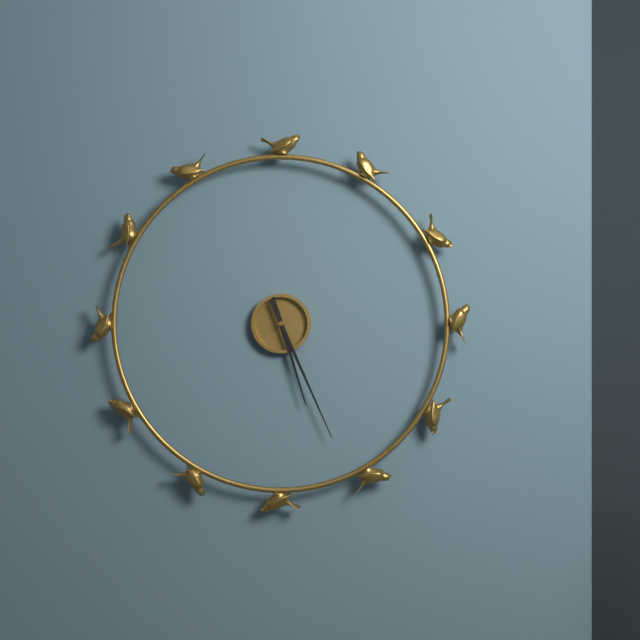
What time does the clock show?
5:26
